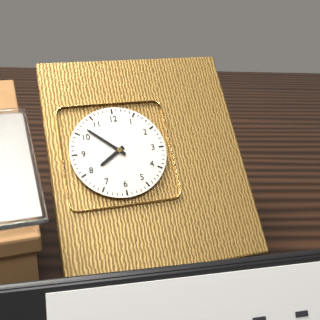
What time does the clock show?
7:52
